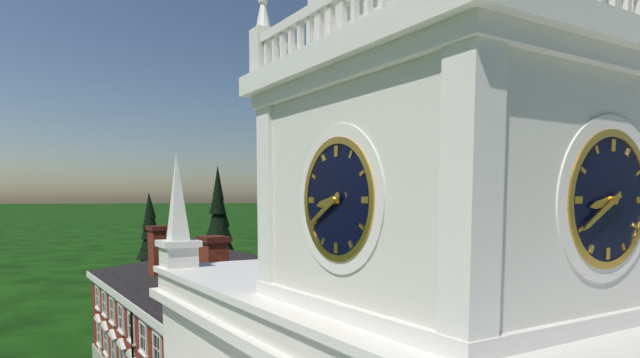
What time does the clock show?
8:40
